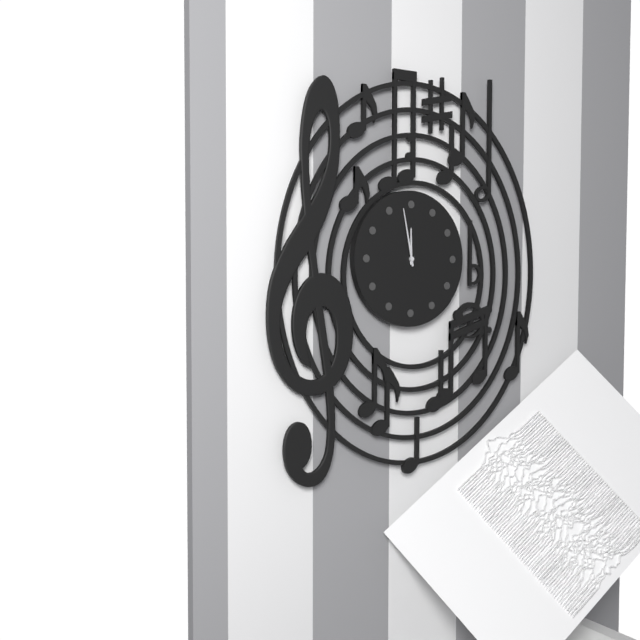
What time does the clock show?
11:58
